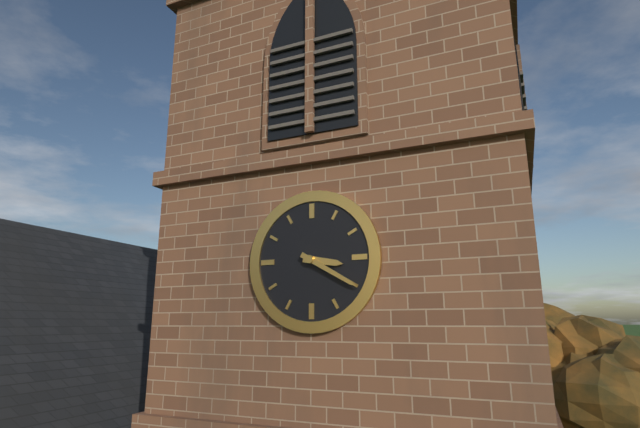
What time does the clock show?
3:20
